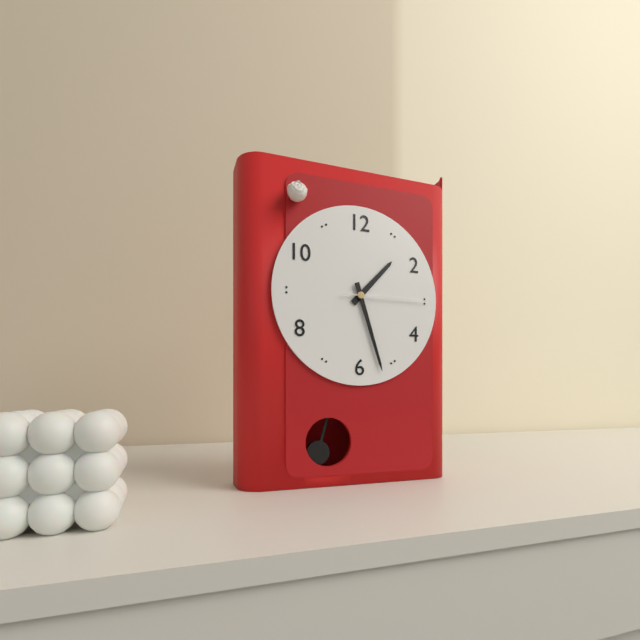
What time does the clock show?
1:27:15
